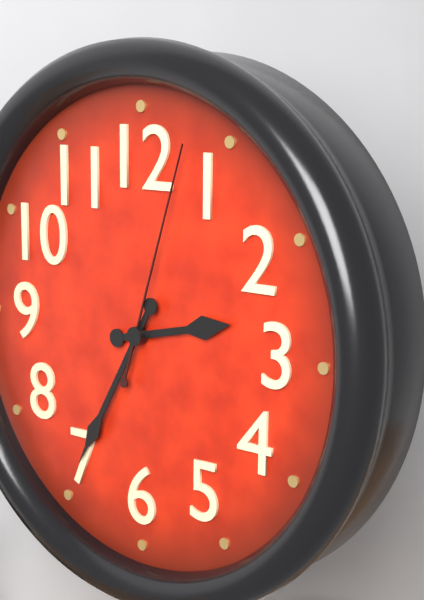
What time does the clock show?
2:35:03
